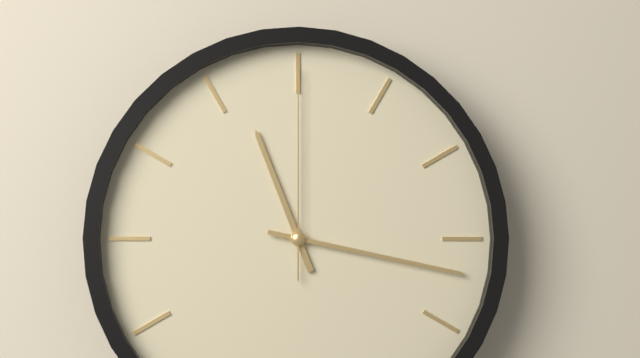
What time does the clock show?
11:17:00
